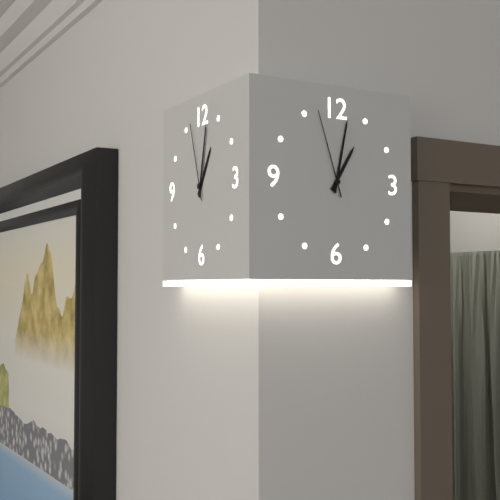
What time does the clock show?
1:02:57
